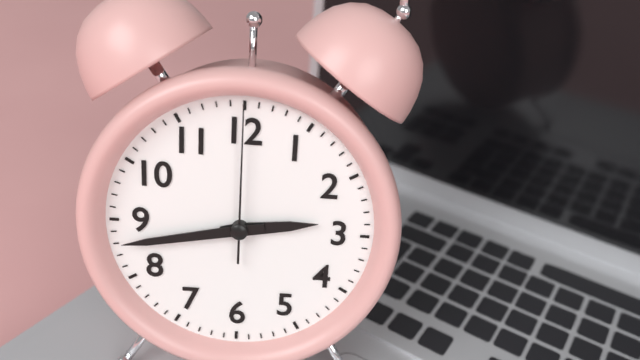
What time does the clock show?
2:43:00
